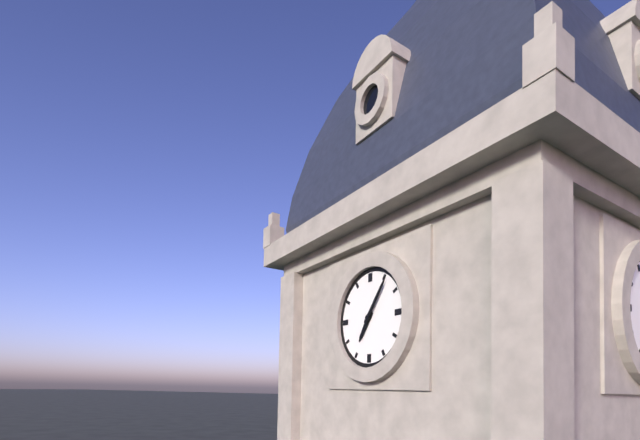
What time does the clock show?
7:06
